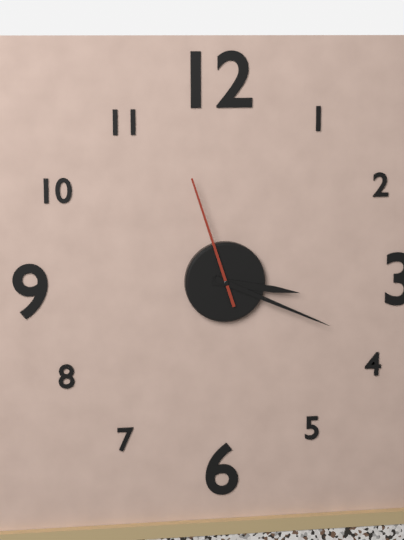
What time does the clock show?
3:19:57
